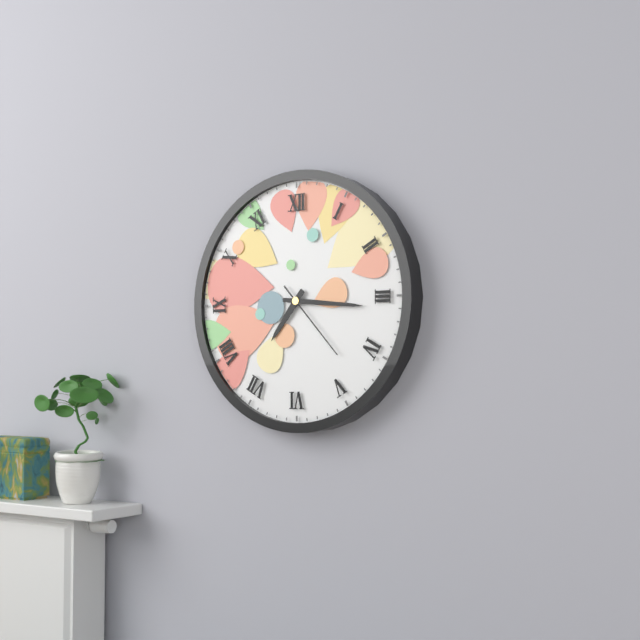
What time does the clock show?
7:16:23
